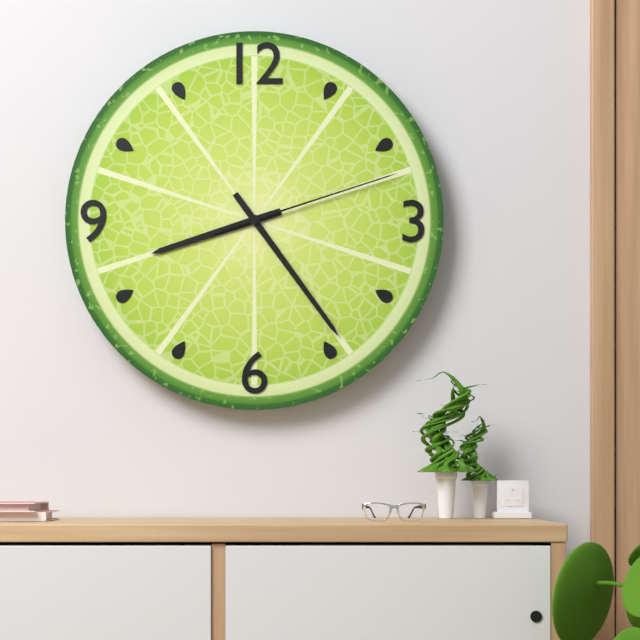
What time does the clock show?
8:24:12
